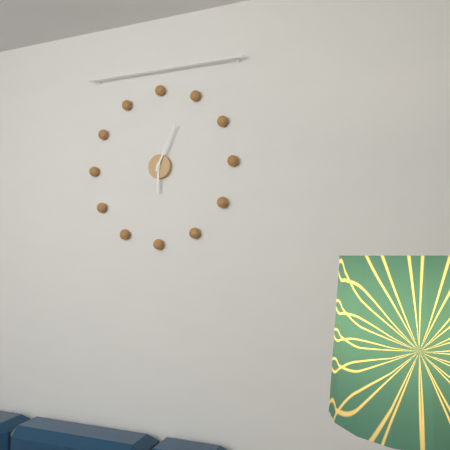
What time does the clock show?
6:04
